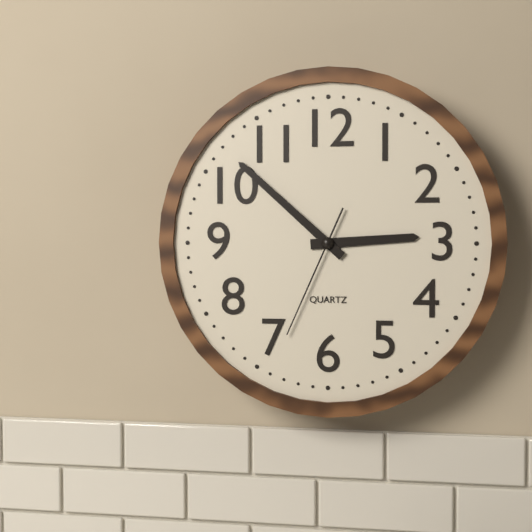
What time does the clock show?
2:52:34
